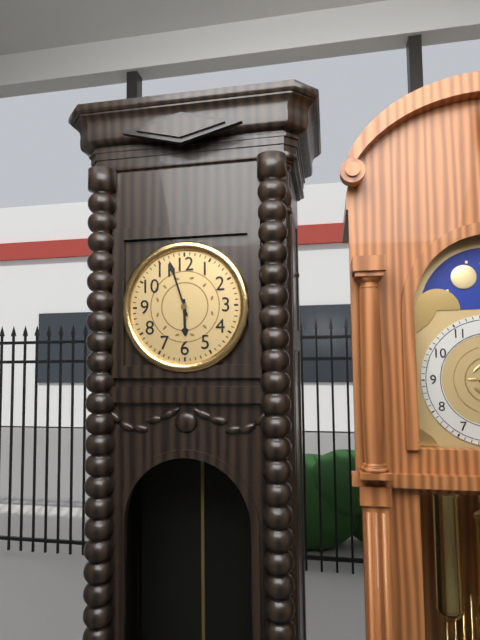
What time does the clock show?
5:57
